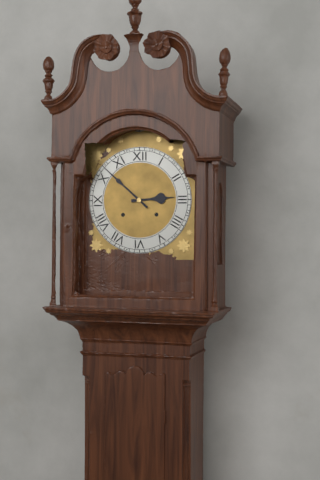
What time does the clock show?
2:52
